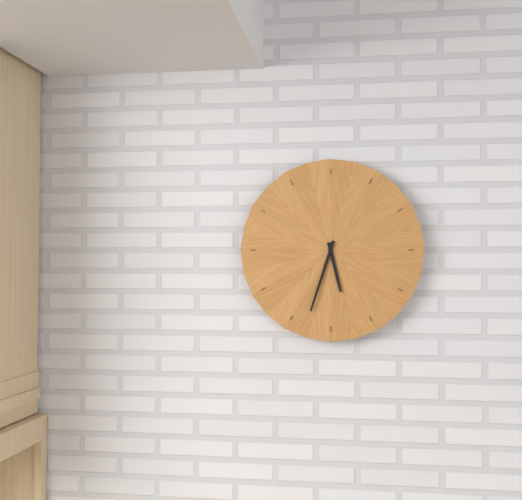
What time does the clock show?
5:33
